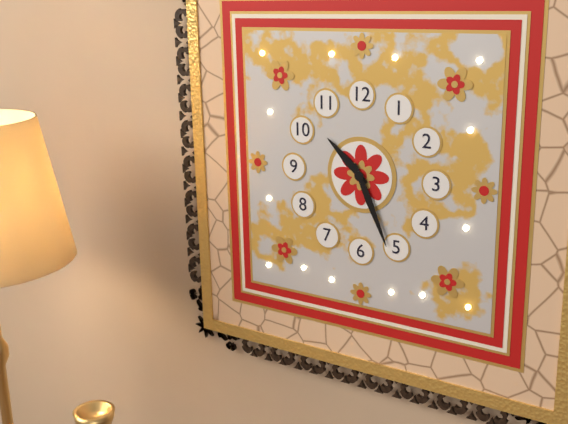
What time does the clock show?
10:26
